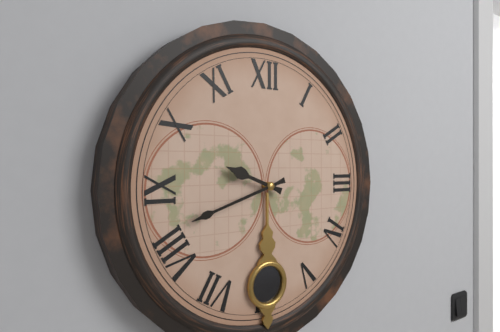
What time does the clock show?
9:42
